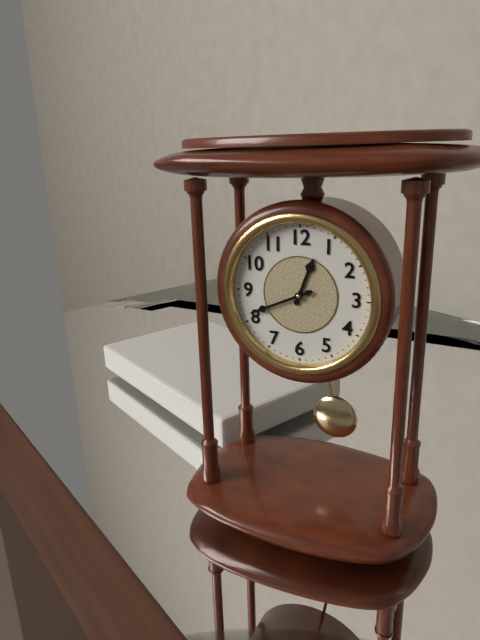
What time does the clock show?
12:41
